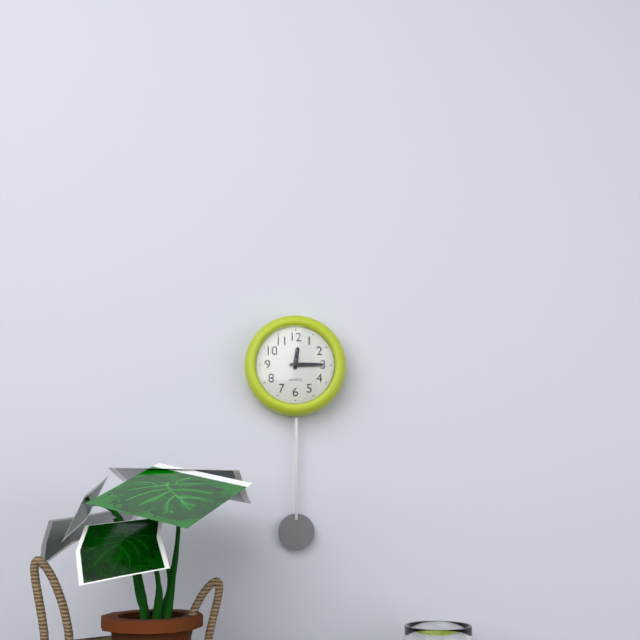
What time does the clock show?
12:15
